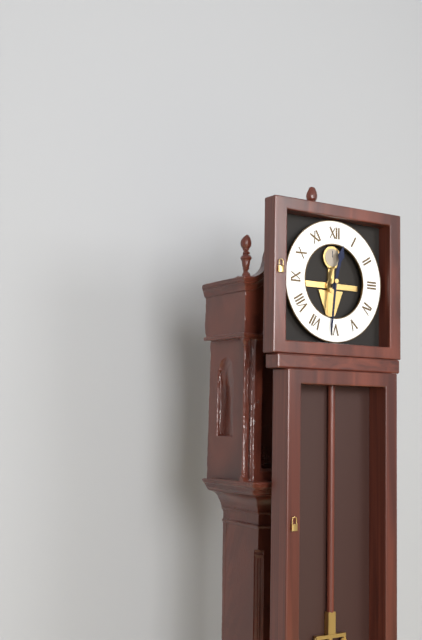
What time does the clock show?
12:31
